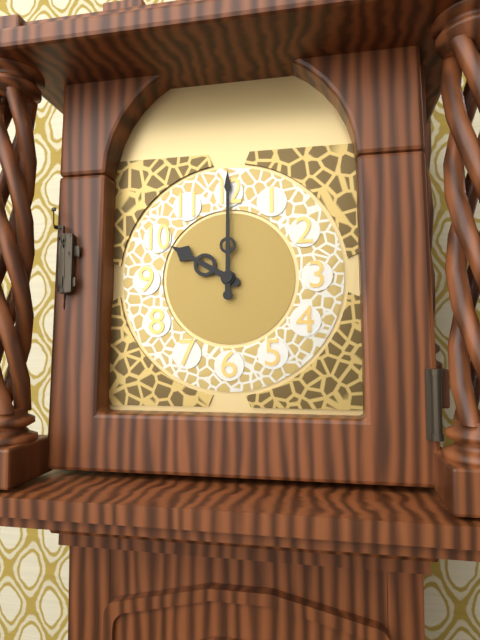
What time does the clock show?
10:00
